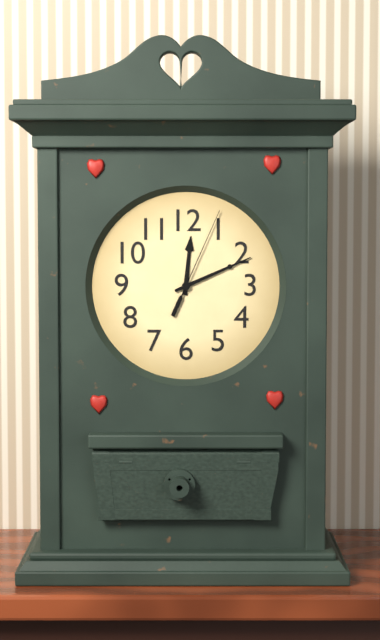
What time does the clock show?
12:11:04
